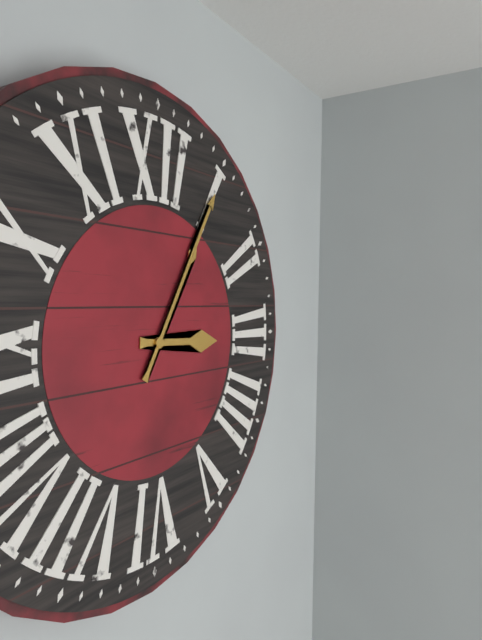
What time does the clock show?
3:05
